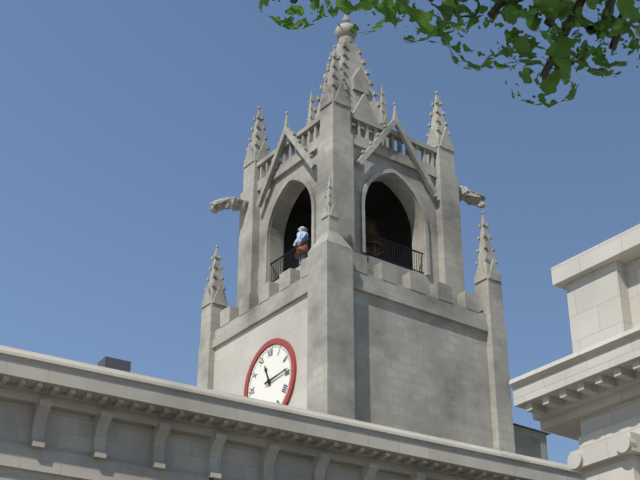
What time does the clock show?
11:14
